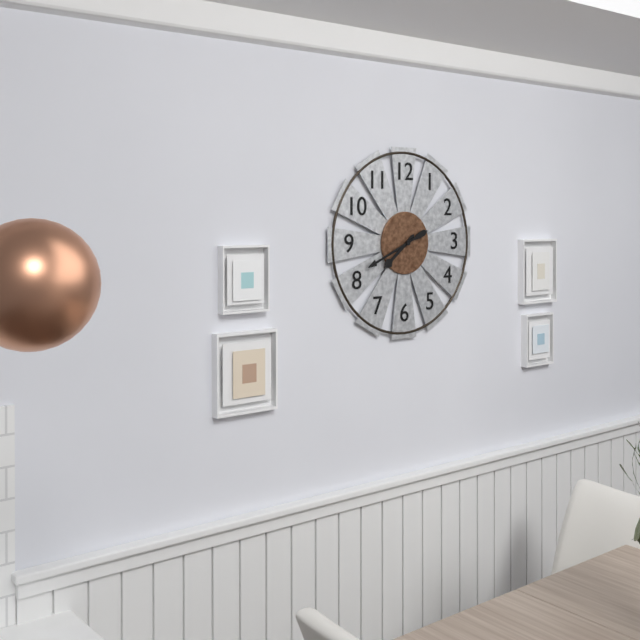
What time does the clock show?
7:41
